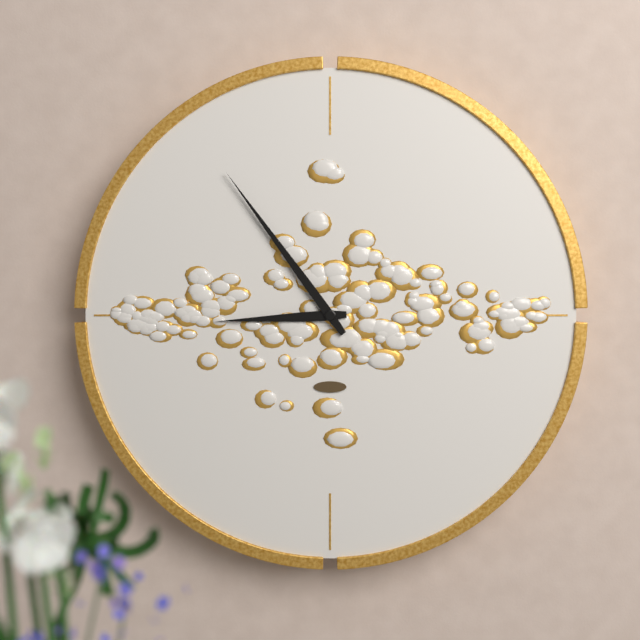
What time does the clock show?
8:54
